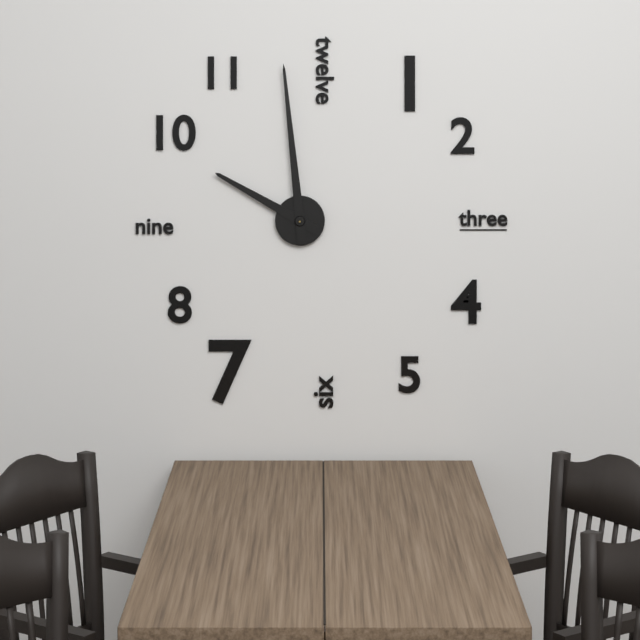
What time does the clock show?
9:59
